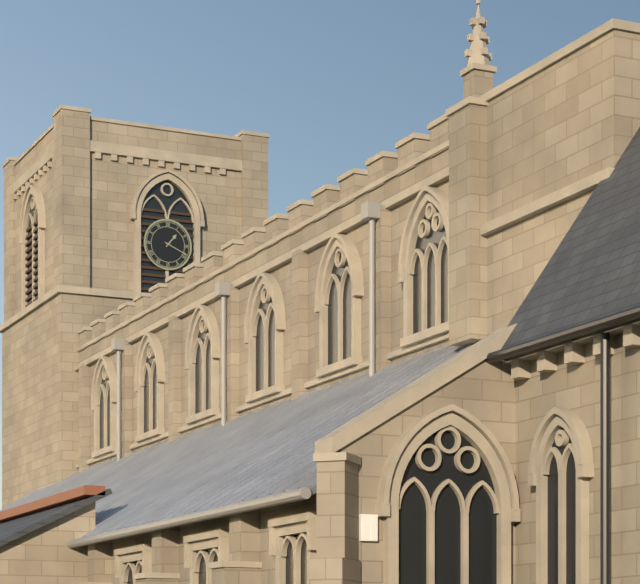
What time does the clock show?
1:19
